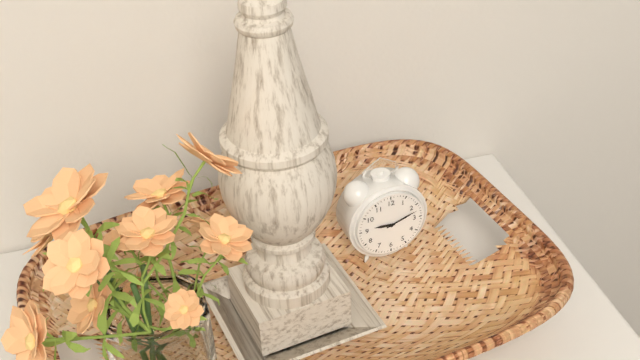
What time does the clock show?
9:12
